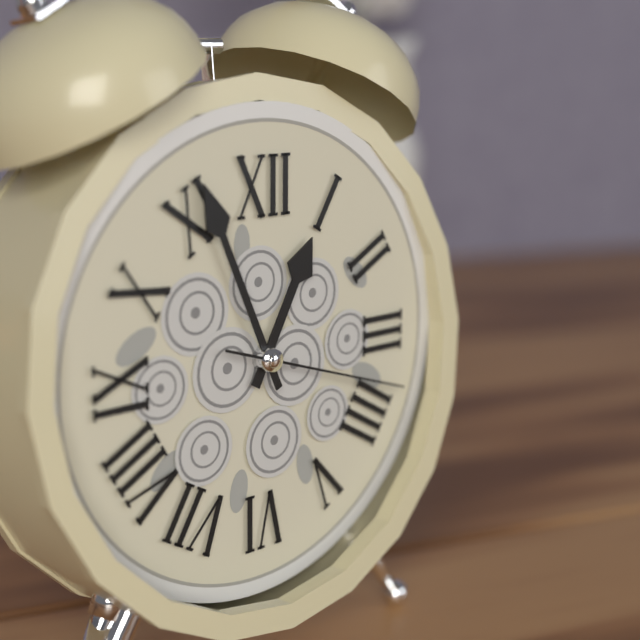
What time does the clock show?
12:56:18
